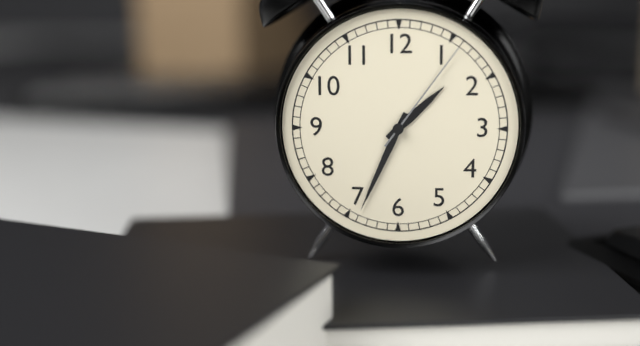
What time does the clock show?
1:34:06
